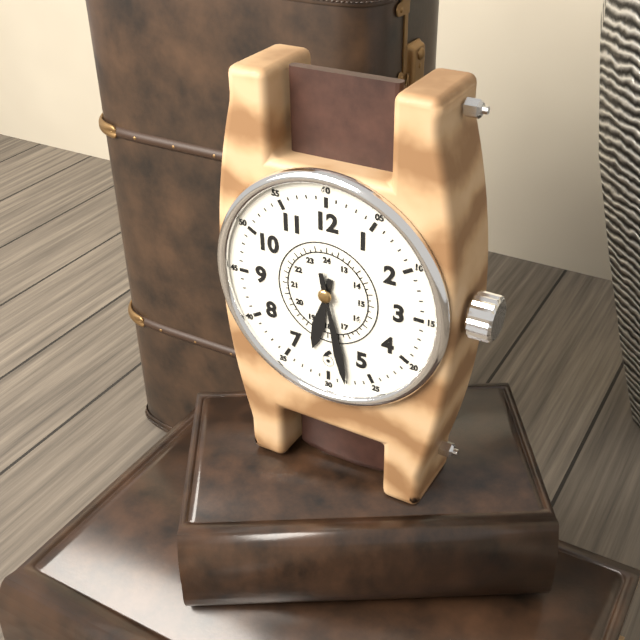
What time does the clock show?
6:28
